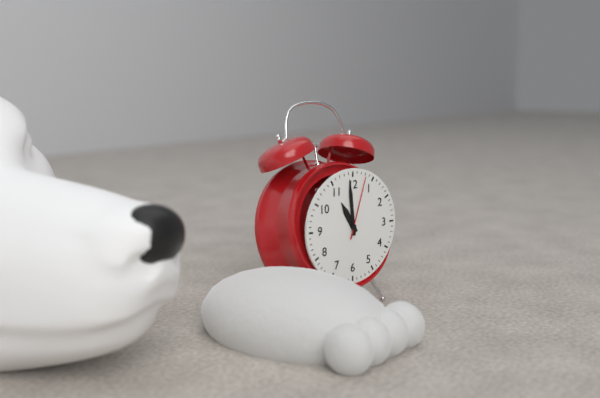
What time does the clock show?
10:59:03
